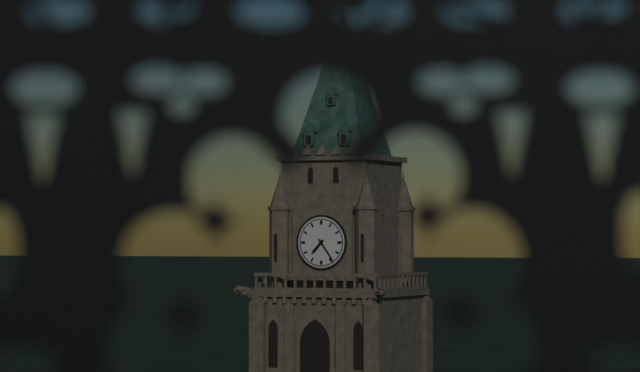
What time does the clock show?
7:24
